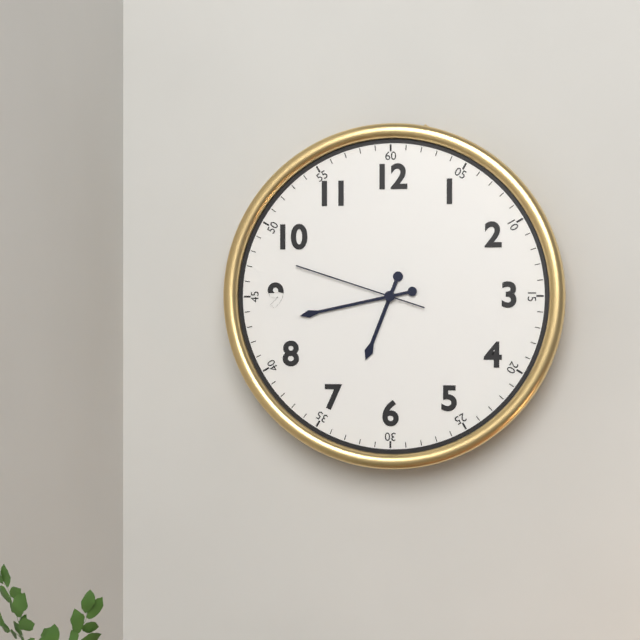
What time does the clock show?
6:43:48
